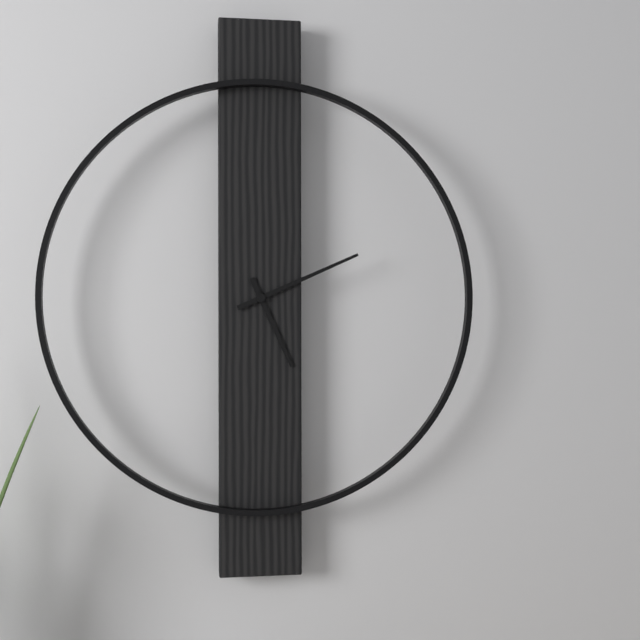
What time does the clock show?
5:11
